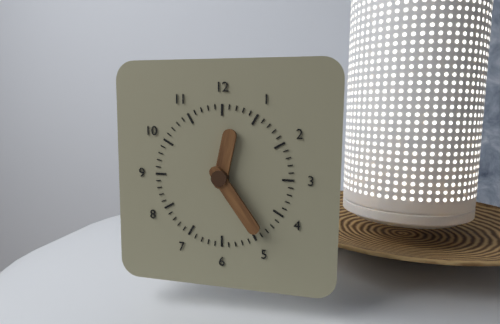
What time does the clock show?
12:24
